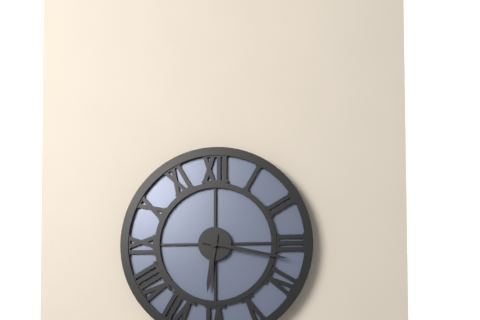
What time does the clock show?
6:17
